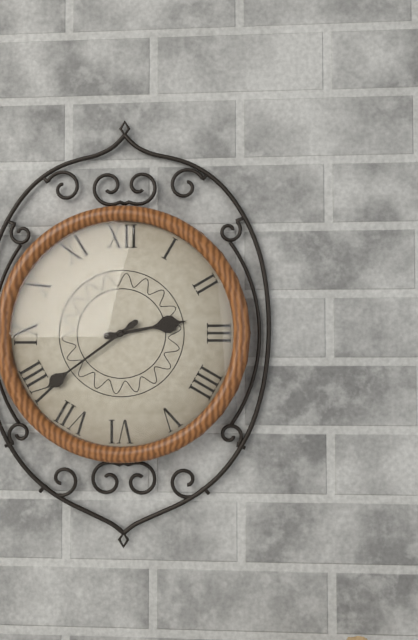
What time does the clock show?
2:39
